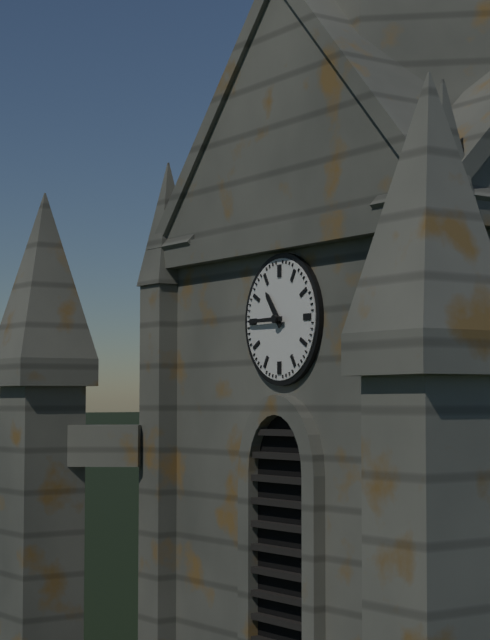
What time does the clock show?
10:45
